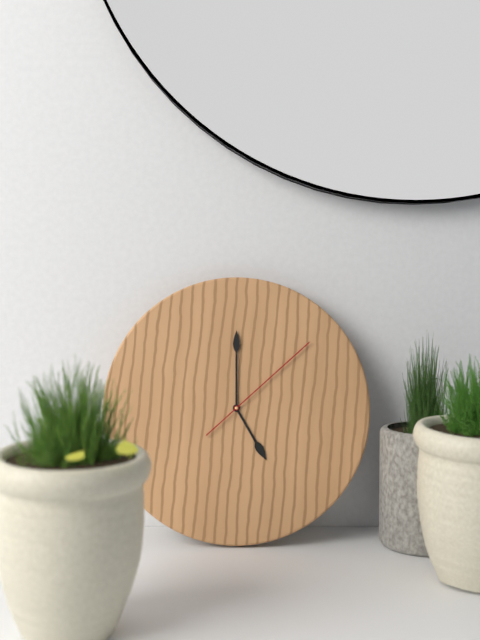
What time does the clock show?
5:00:08
